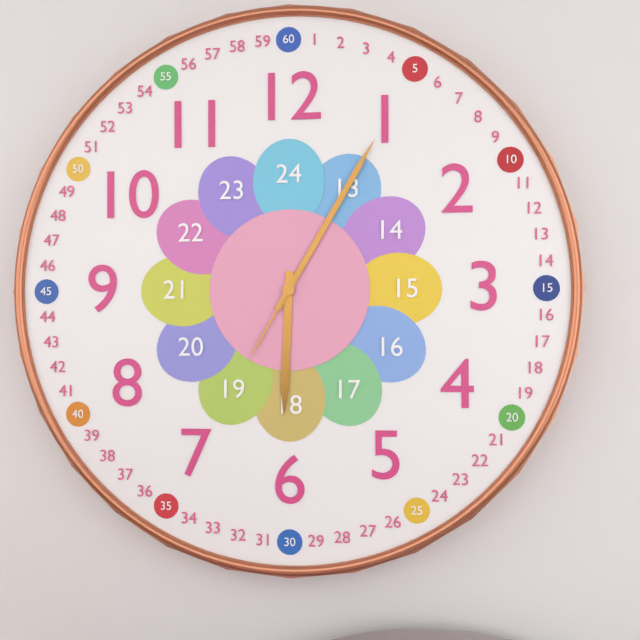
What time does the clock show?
6:05:35
